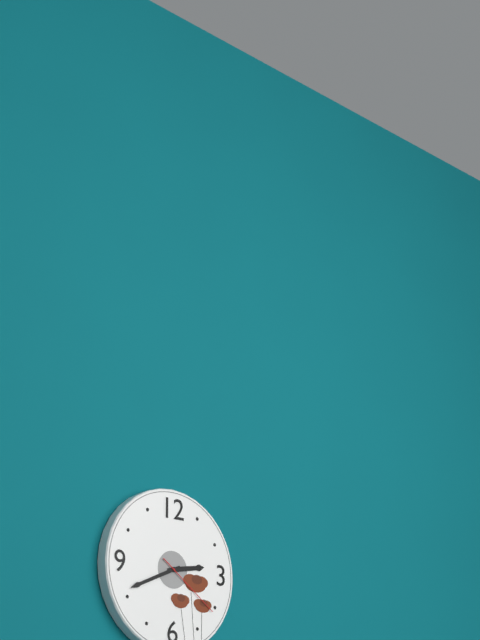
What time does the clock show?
2:41:21
